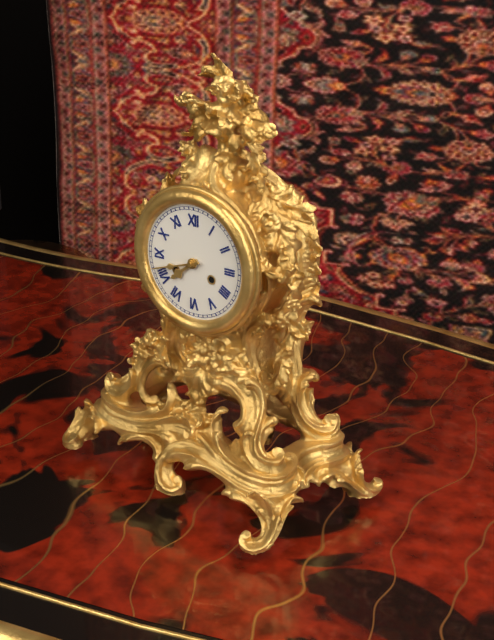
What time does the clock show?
7:42
